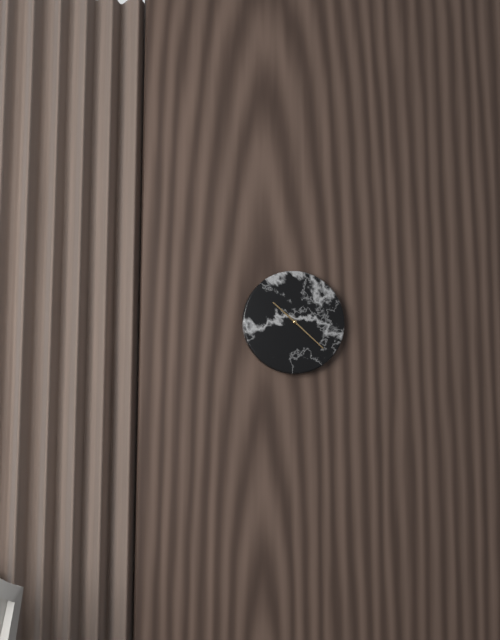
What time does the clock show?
10:22
